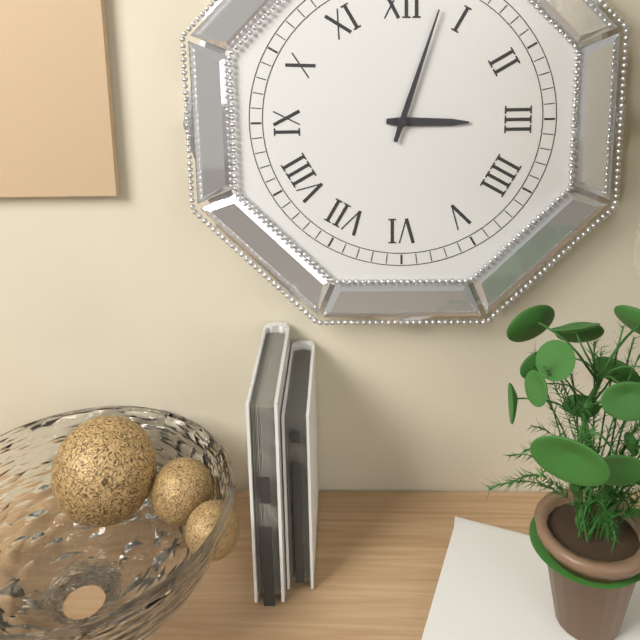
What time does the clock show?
3:03
